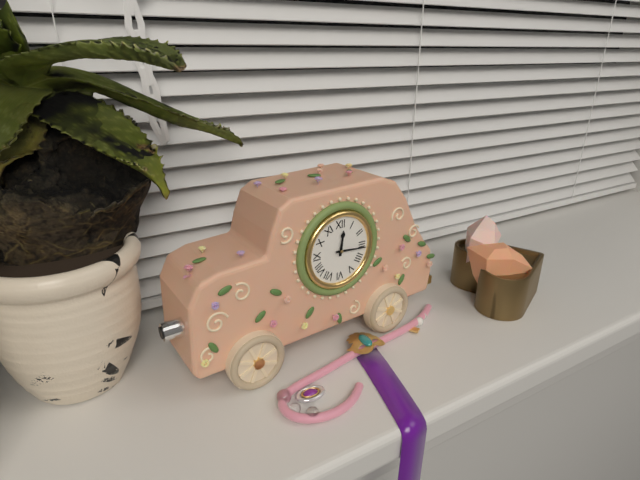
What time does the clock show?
12:16
